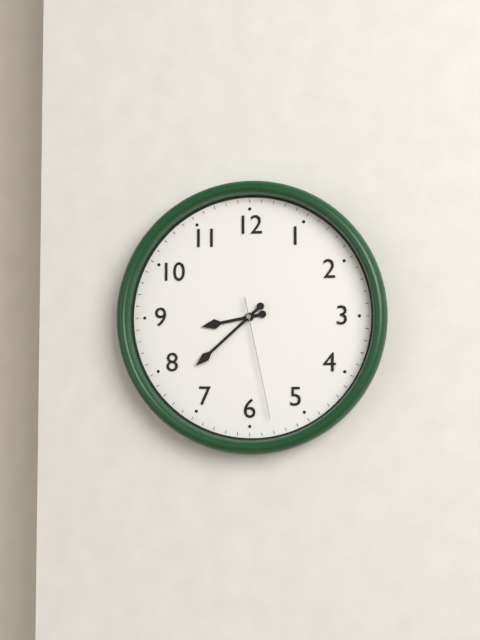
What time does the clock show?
8:38:28
